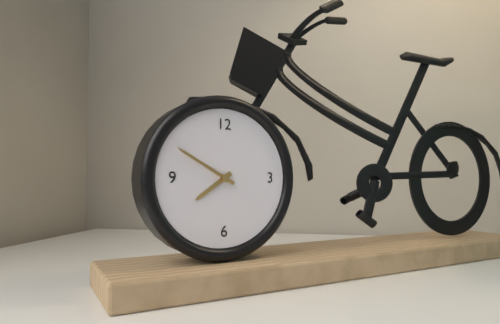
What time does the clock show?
7:50
